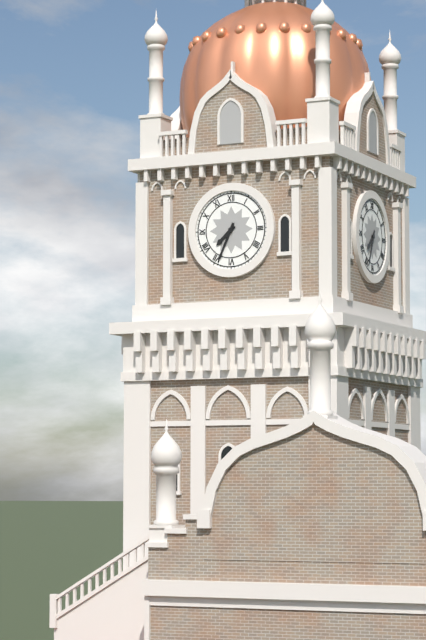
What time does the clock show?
7:34
